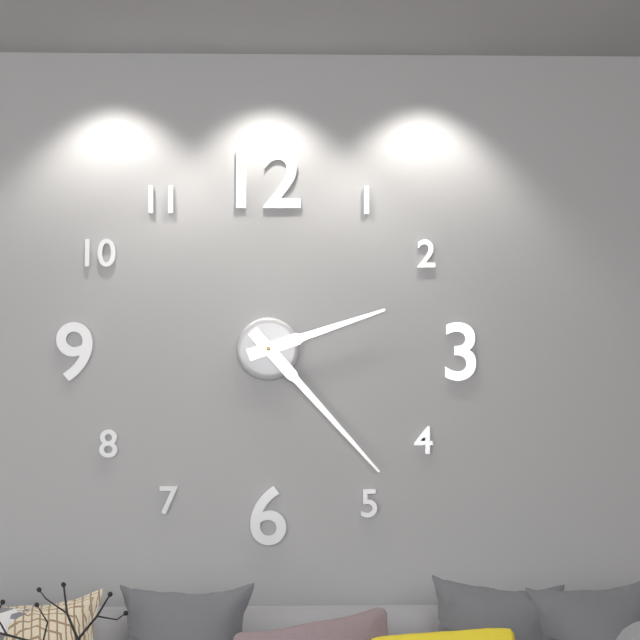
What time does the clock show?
2:23
